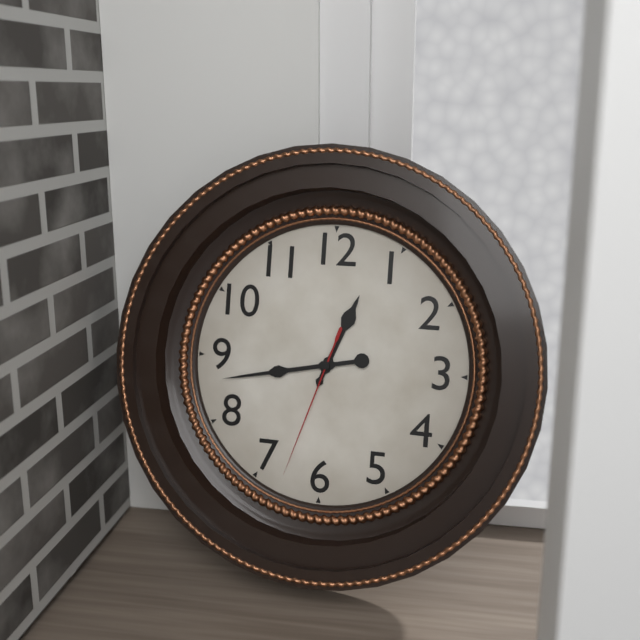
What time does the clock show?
12:43:33
